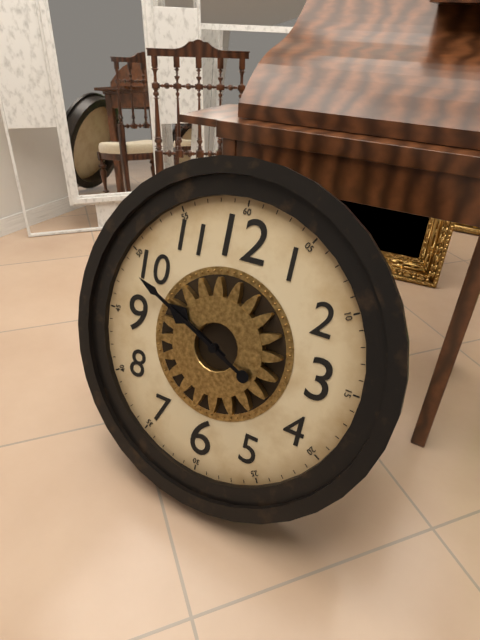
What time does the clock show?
9:49
